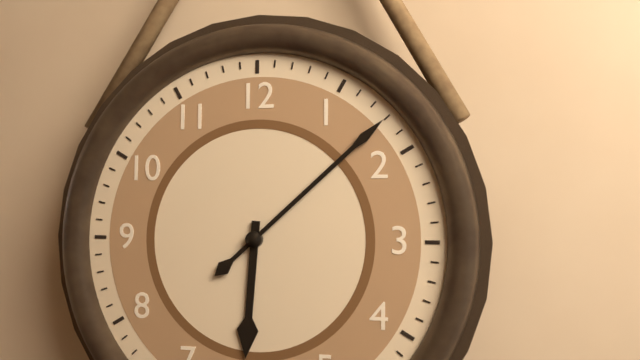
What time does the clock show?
6:08
